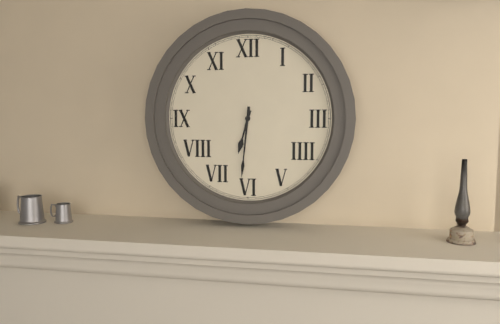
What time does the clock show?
6:31
